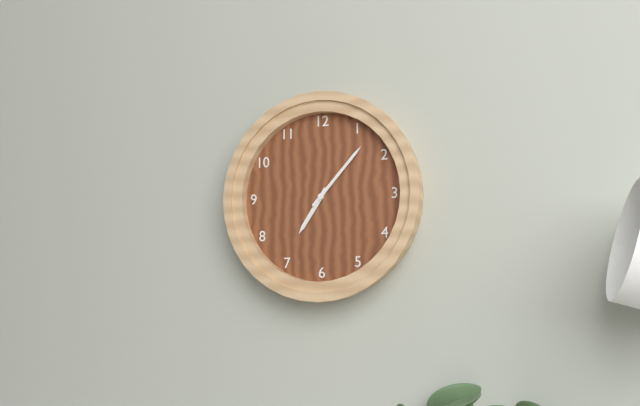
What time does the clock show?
7:07
